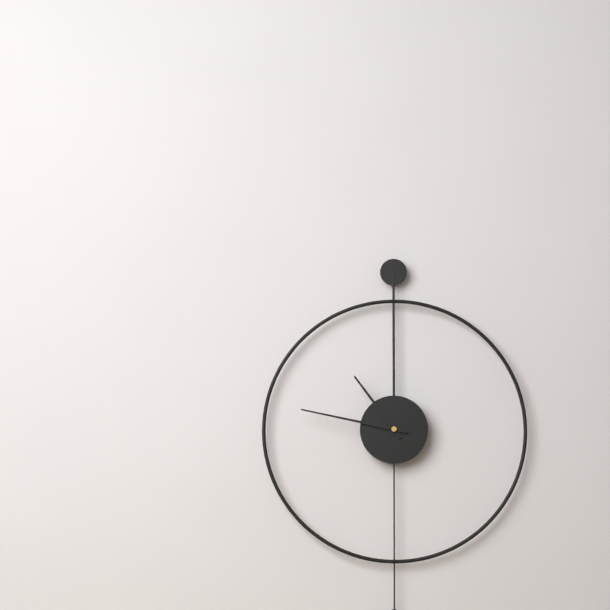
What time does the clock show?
10:47
